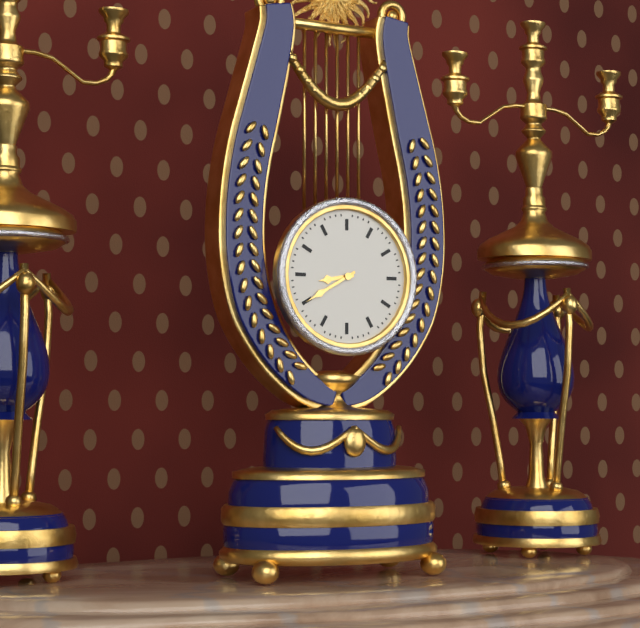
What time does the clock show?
8:40
